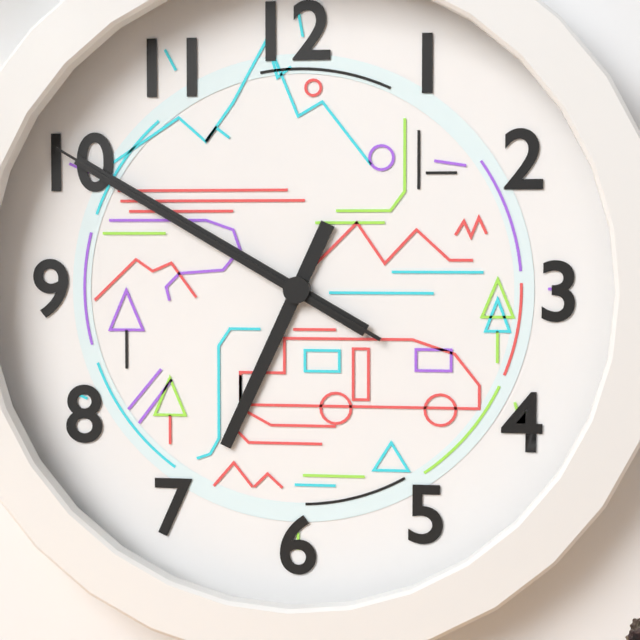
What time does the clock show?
6:50:50
